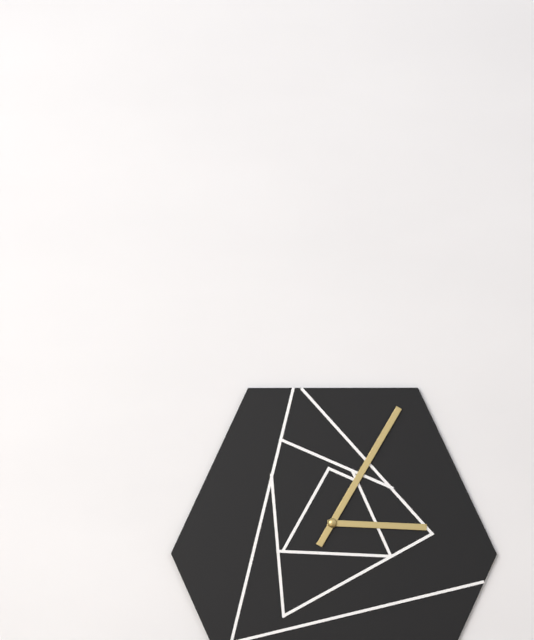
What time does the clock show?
3:05
